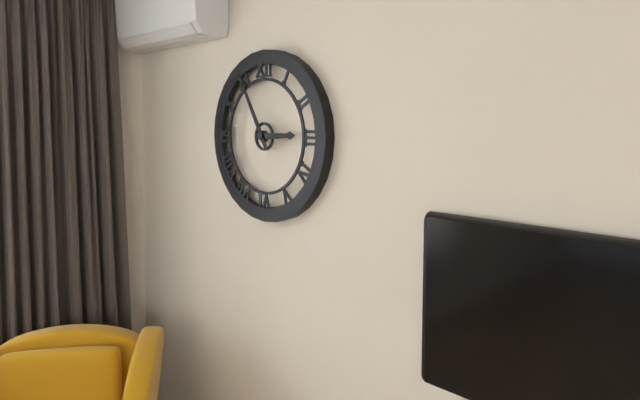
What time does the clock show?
2:55
